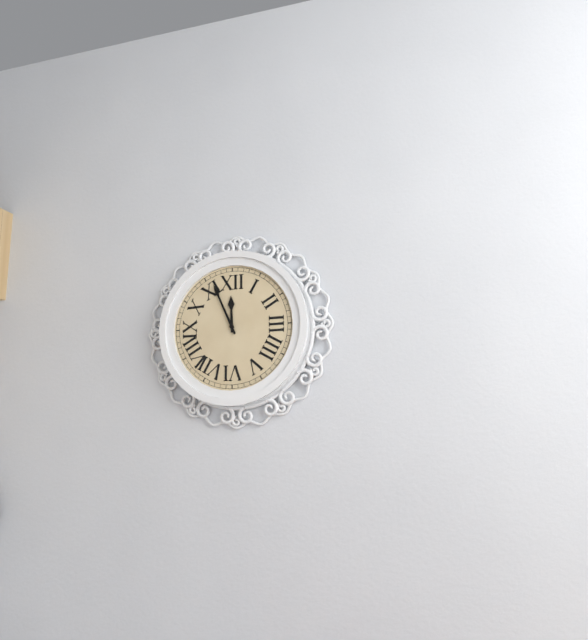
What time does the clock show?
11:56
